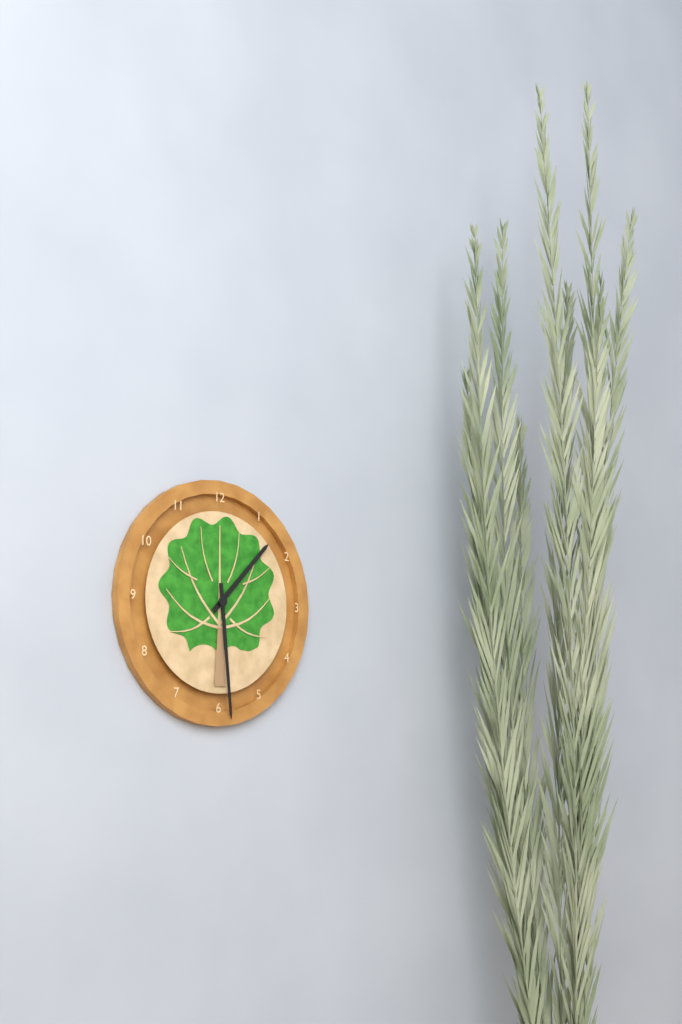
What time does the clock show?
1:29
